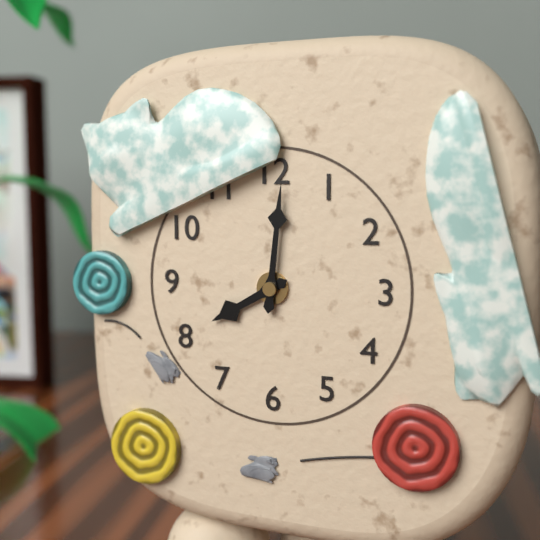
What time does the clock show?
8:01
